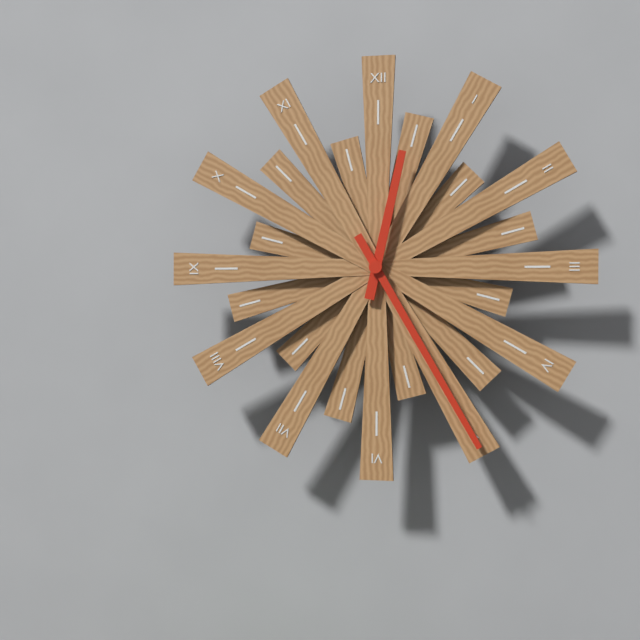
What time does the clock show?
12:25
